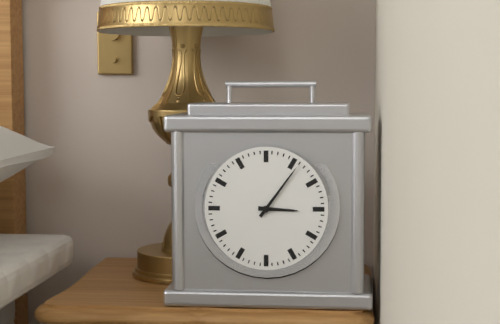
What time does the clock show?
3:06
